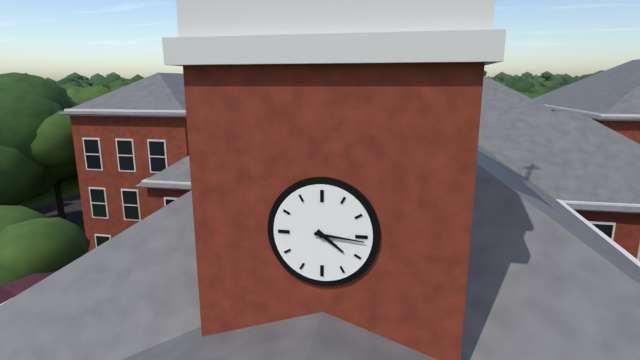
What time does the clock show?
4:16
